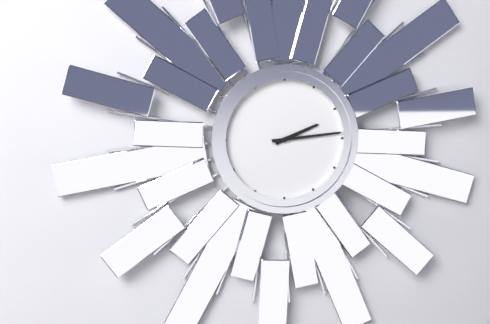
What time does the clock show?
2:14
